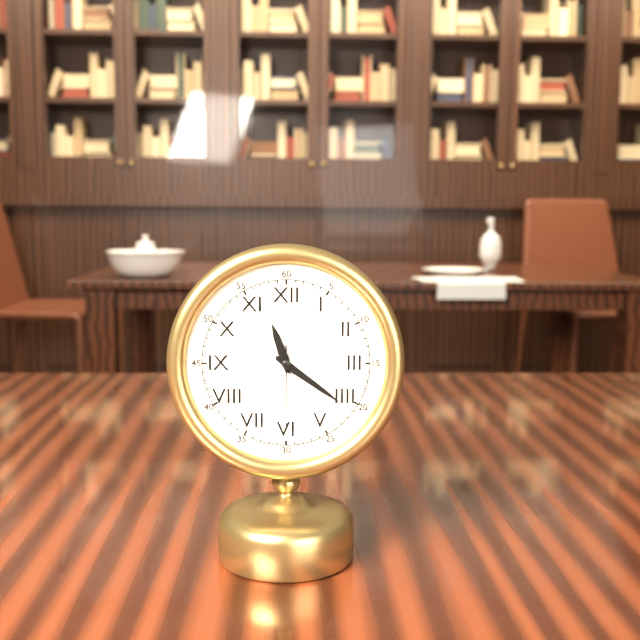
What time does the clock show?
11:21:30
